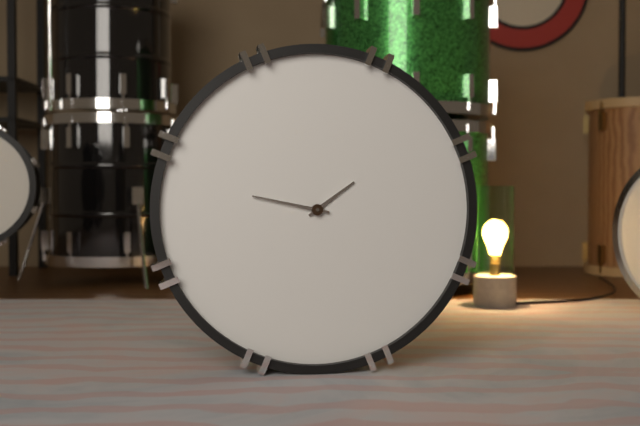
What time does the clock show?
1:47
